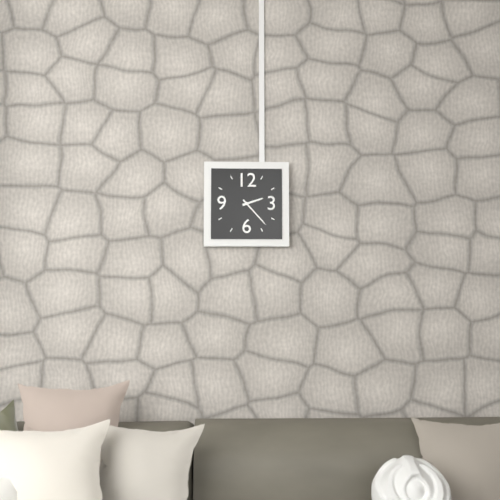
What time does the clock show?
2:23
